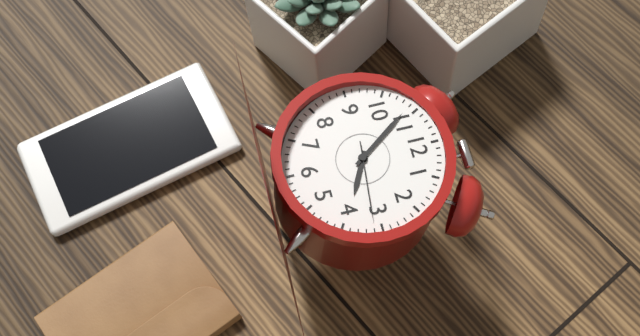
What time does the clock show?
3:54:16
